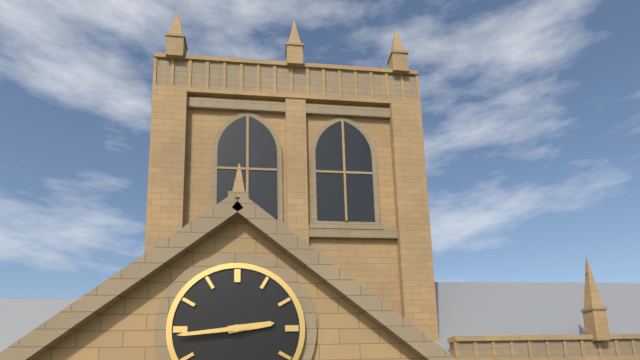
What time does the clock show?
2:44
